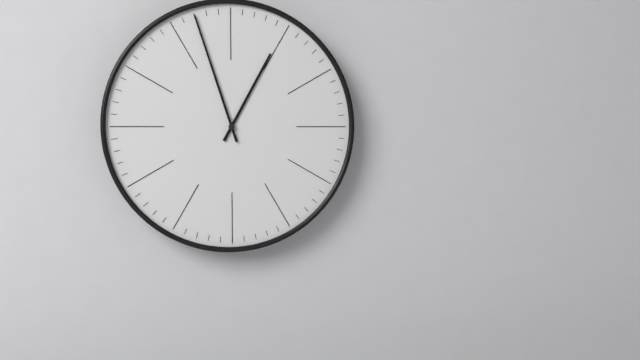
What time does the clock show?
12:57
